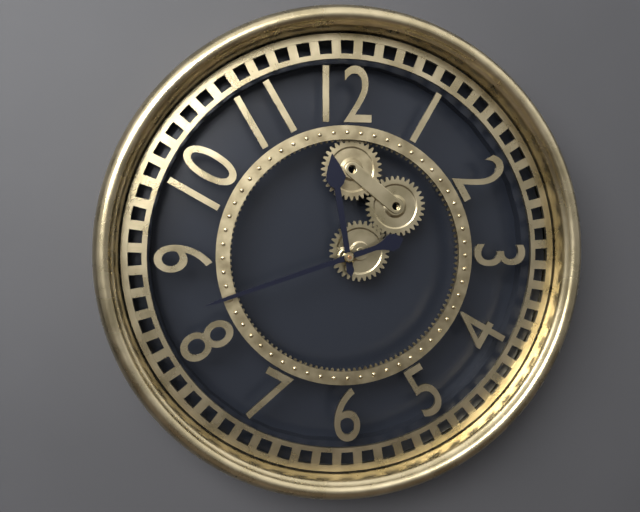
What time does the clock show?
11:42
